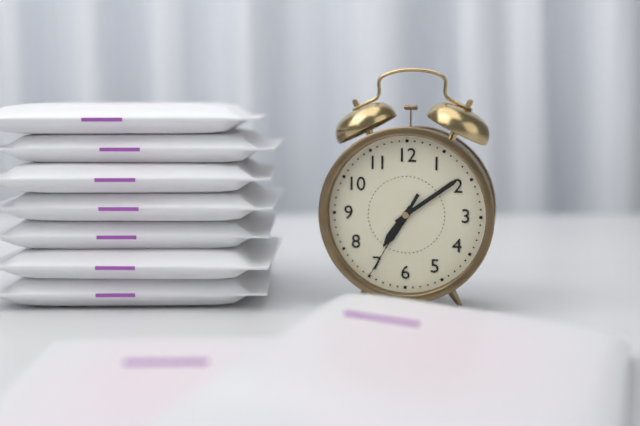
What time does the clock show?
7:09:35
